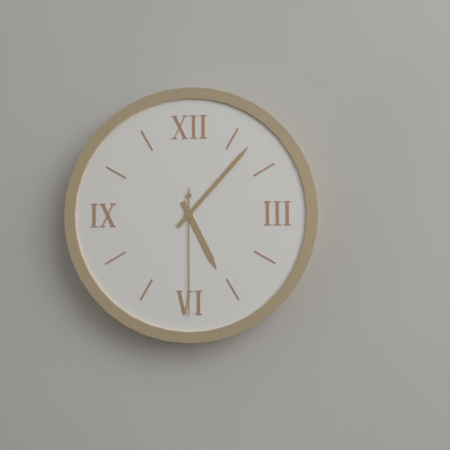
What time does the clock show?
5:07:30
